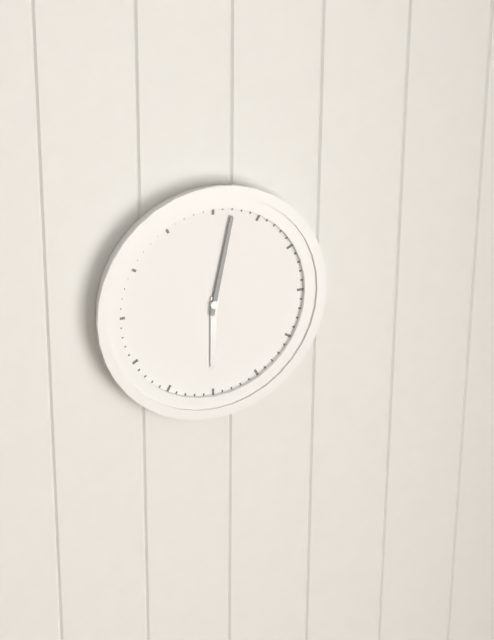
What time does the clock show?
6:02
